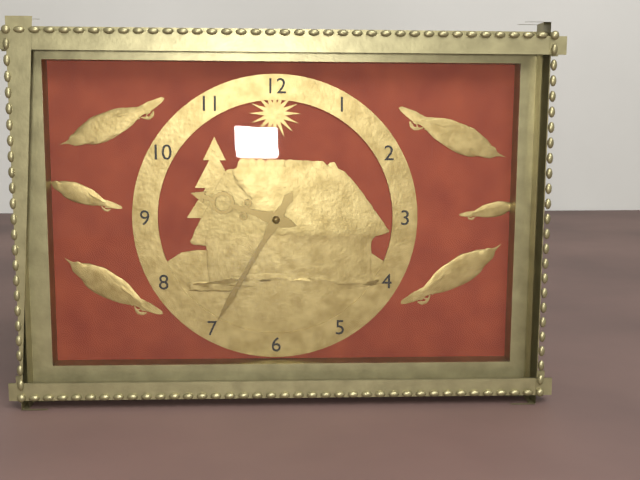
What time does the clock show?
9:35
